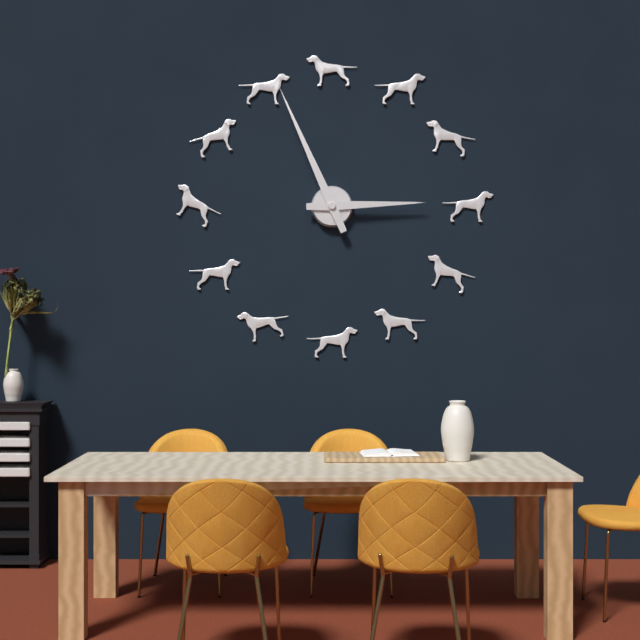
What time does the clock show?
2:56
